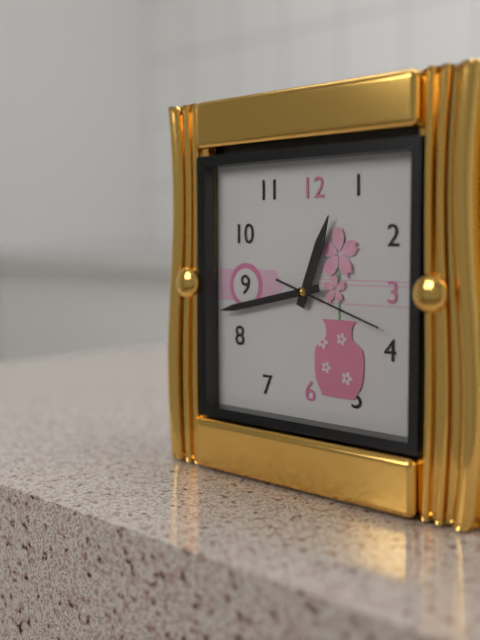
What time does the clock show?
12:43:18
